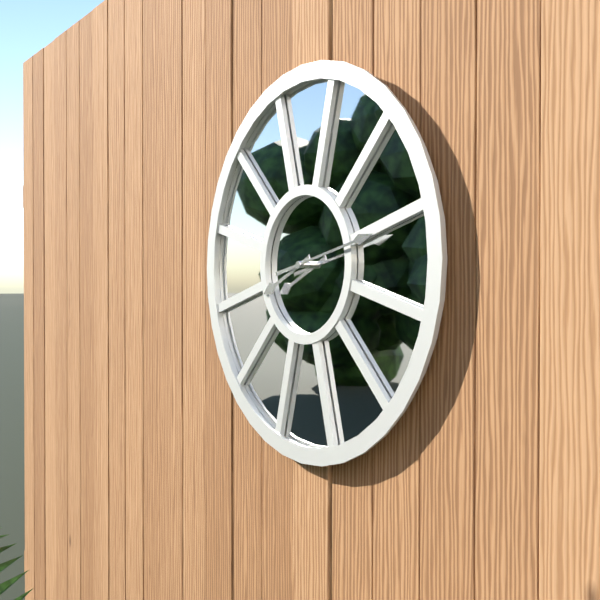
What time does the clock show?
8:13
